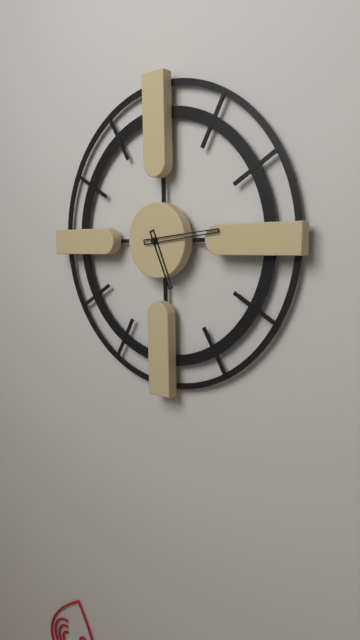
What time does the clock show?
5:14
